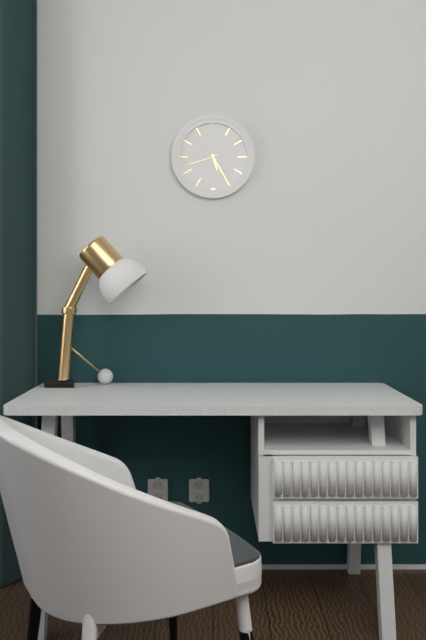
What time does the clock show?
5:25
